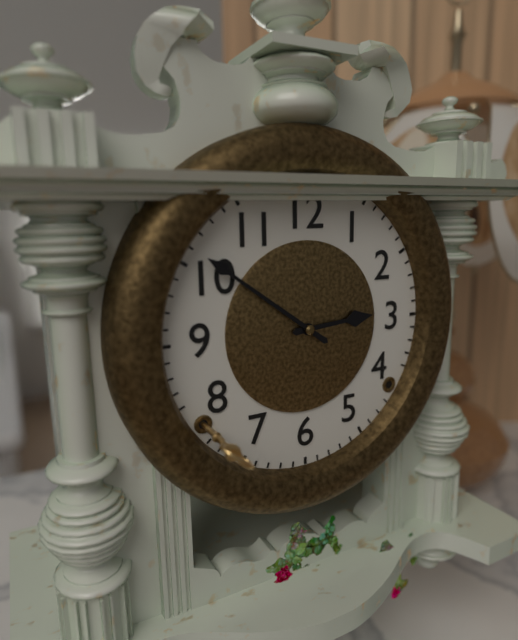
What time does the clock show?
2:51
